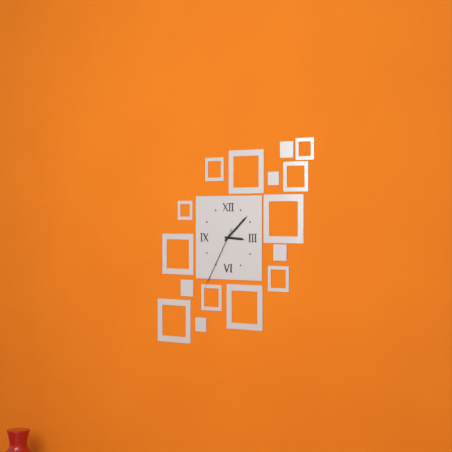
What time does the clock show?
3:08:35
